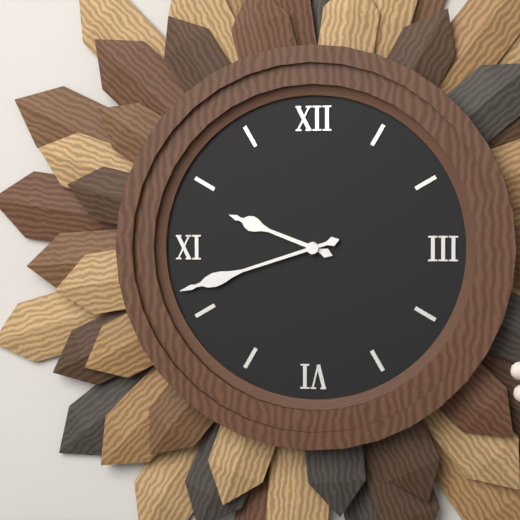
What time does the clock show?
9:42
